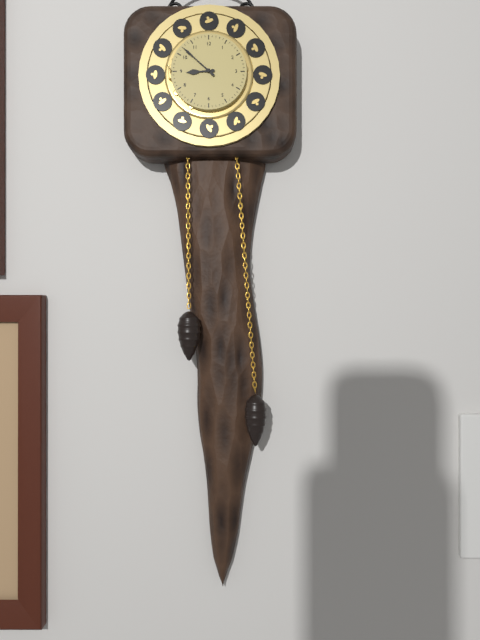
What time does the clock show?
8:52
